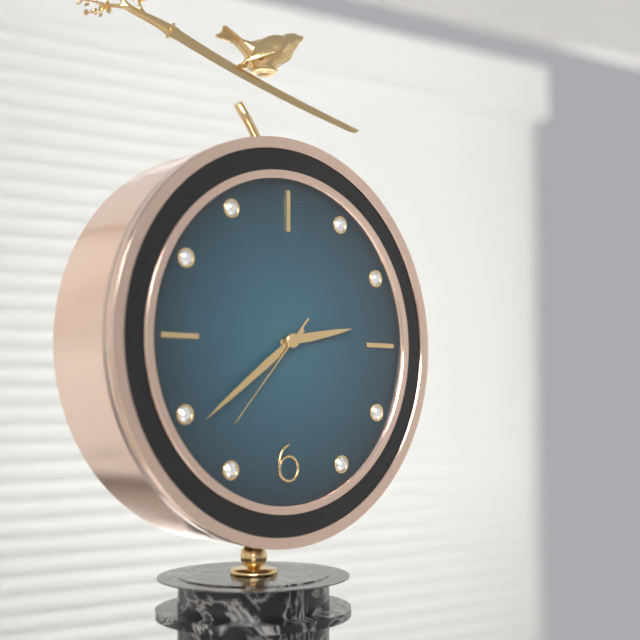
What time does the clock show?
2:39:37
